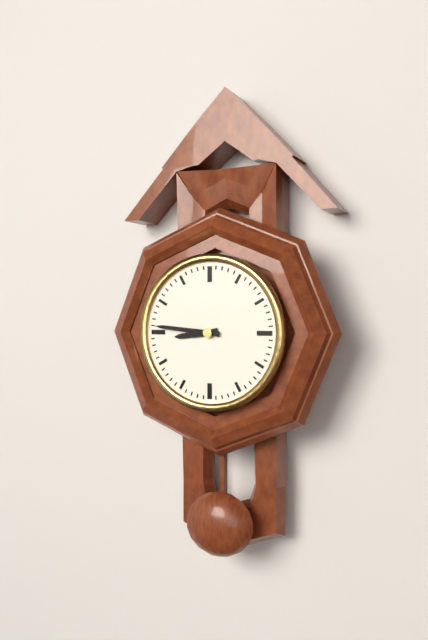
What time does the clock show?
8:46
